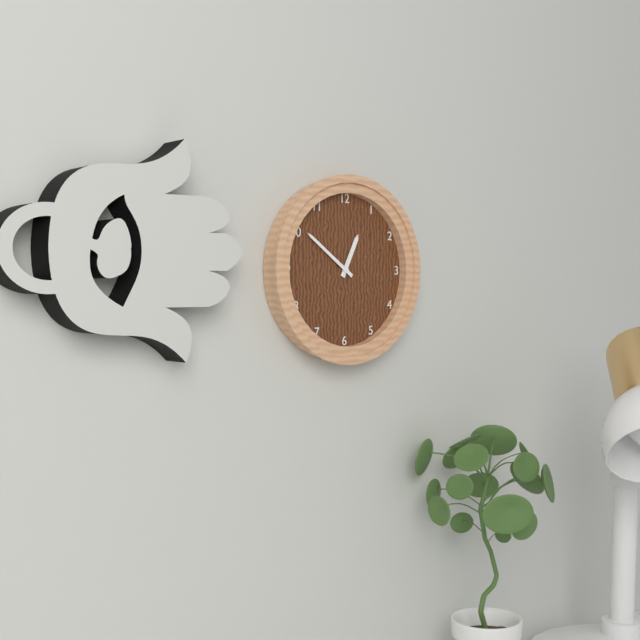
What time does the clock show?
12:51
